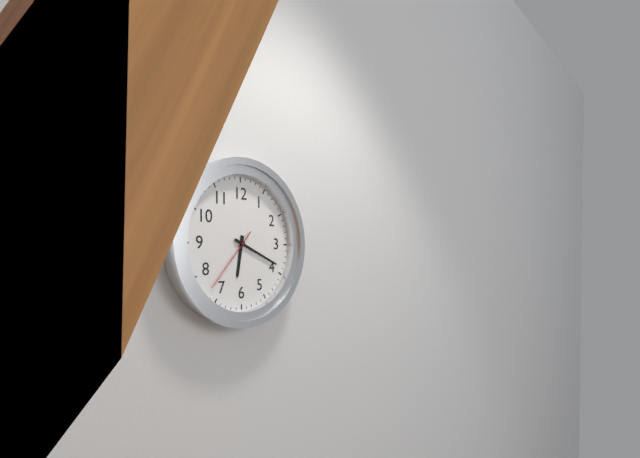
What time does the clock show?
6:19:37
